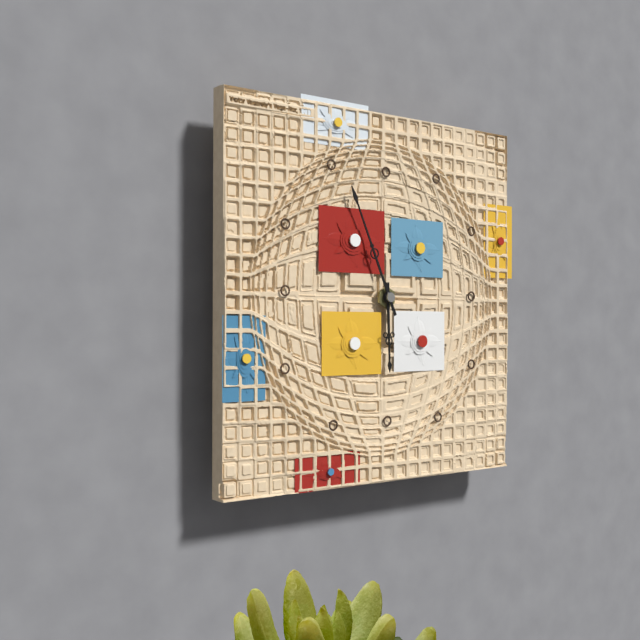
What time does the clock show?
5:56
